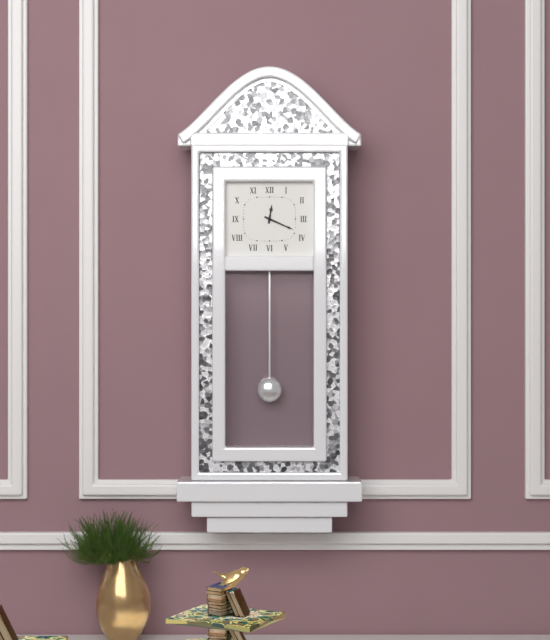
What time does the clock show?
12:19
